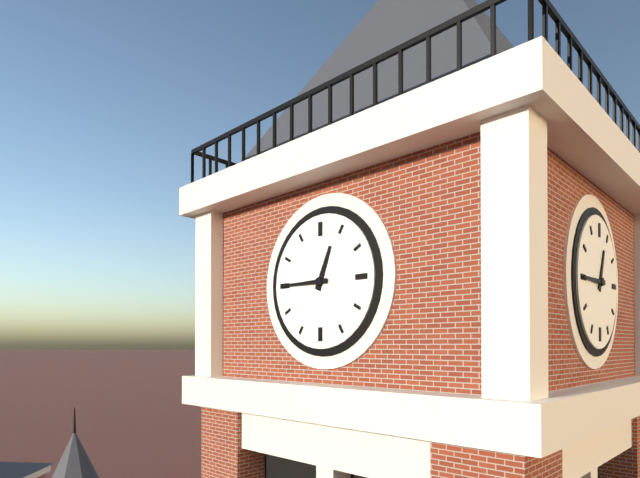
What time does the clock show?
12:45
